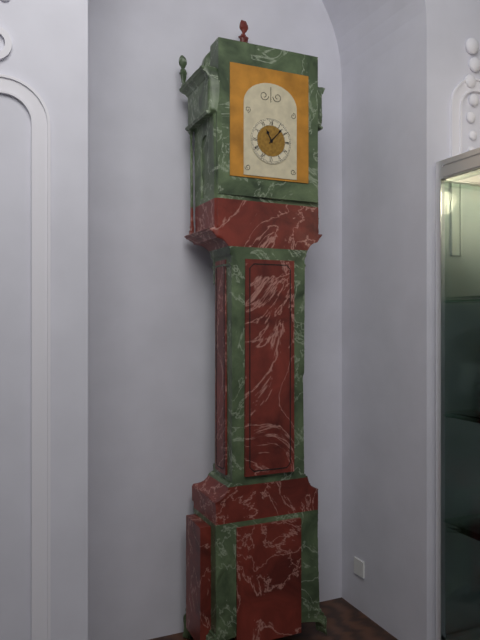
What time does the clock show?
11:07
